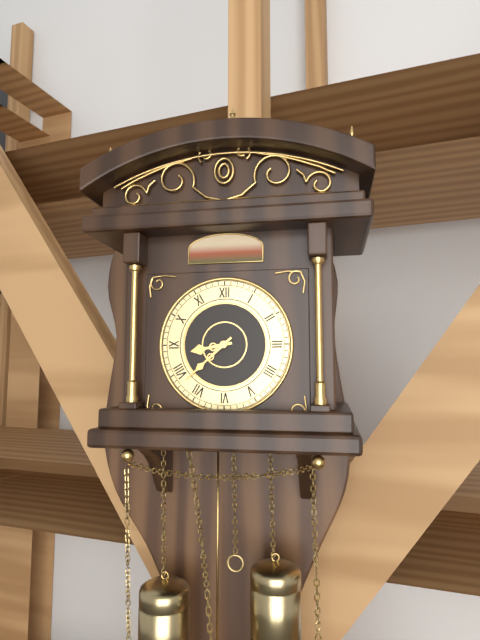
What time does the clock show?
8:38
